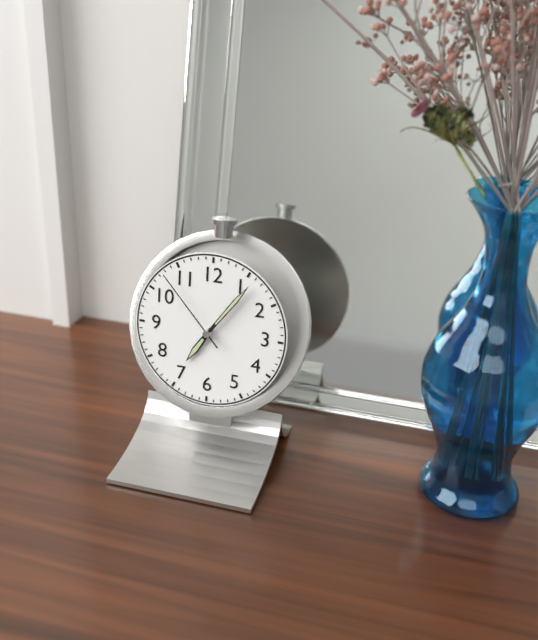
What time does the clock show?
7:06:53
